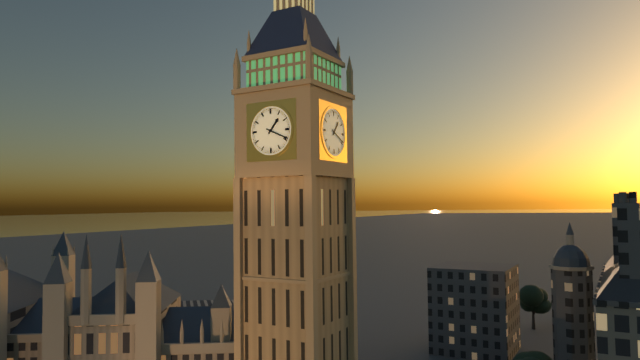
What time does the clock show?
1:19
